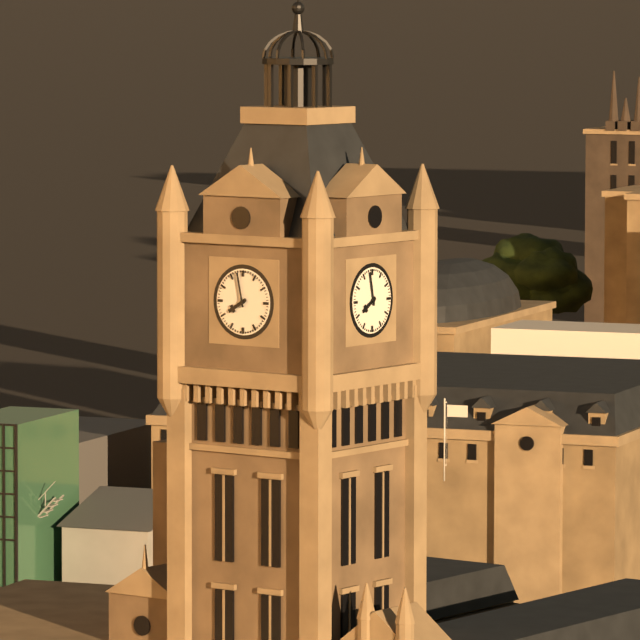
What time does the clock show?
7:58
